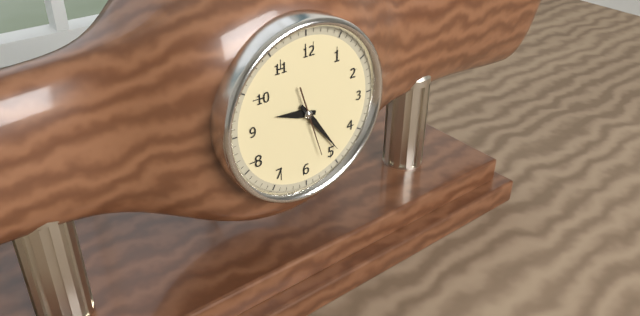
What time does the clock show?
9:24:27
